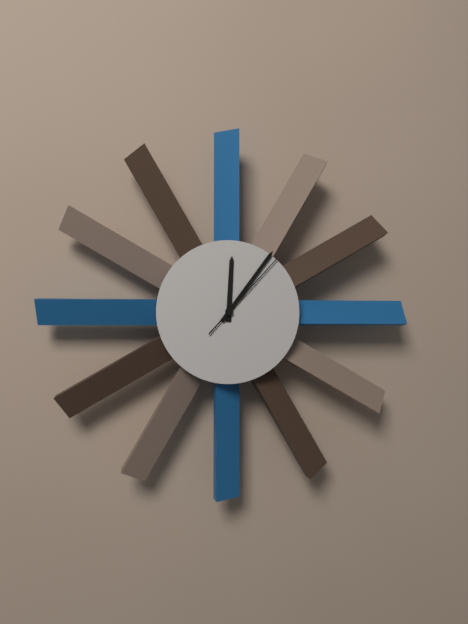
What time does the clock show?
12:06:07
